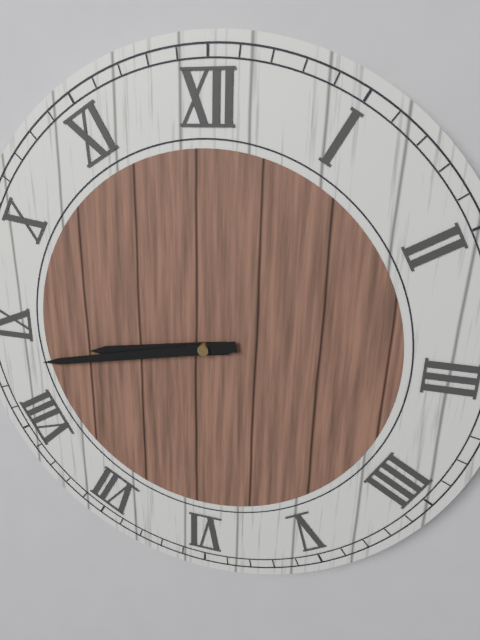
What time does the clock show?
8:43
